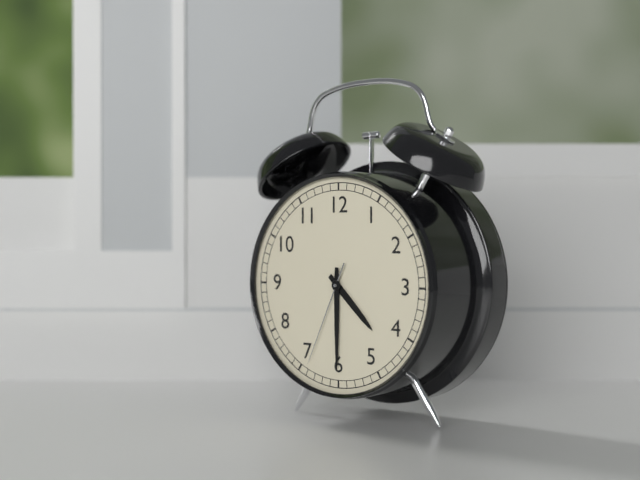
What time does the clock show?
4:30:34
